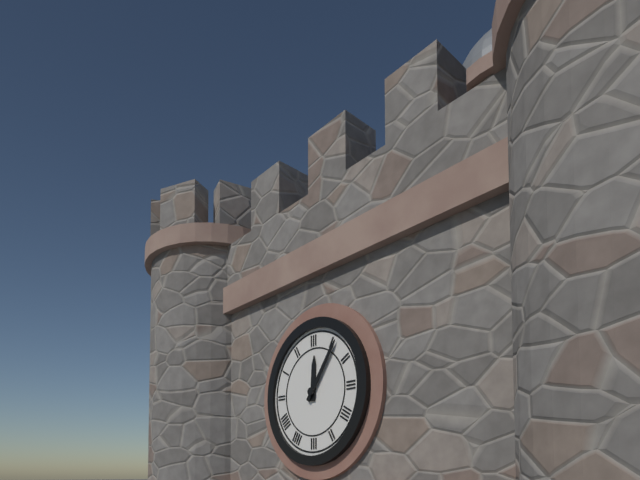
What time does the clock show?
12:06
